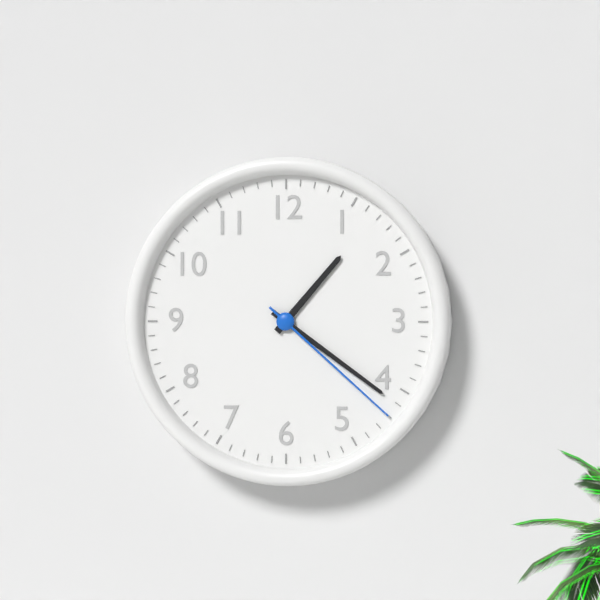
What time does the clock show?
1:21:22
